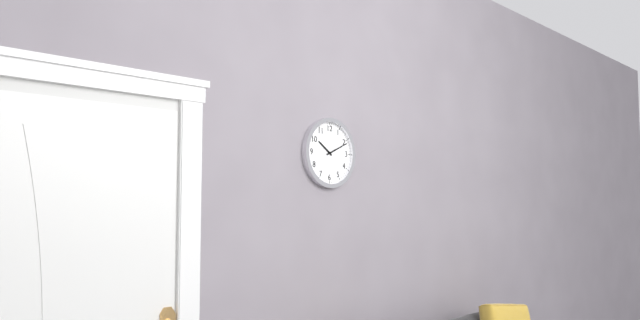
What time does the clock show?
10:11
